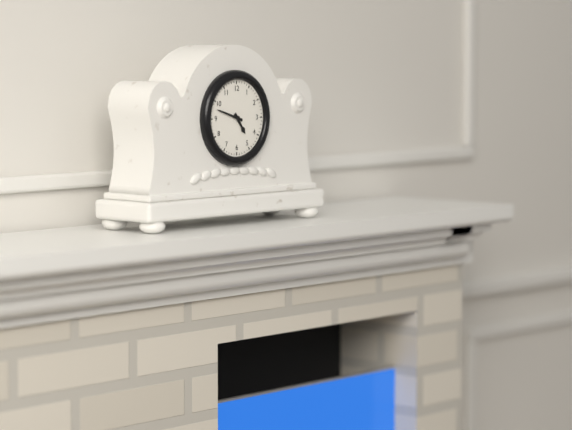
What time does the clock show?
4:48
